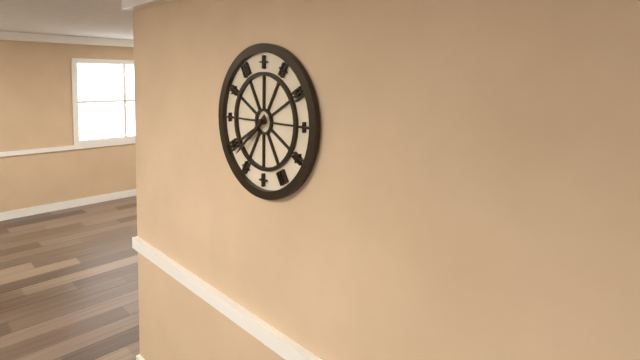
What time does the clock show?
7:38
